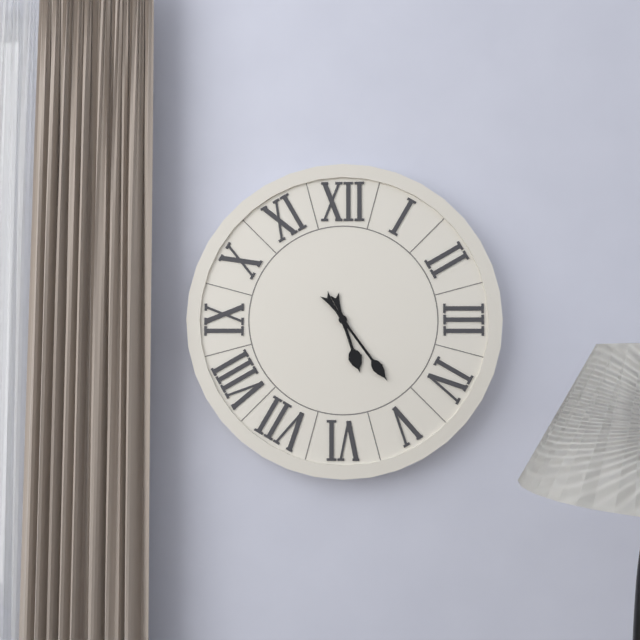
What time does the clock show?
5:24
